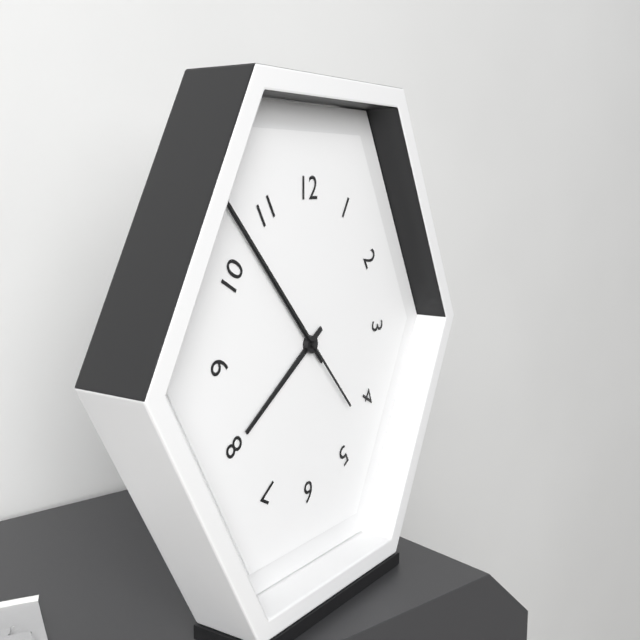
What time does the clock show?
7:53:53
